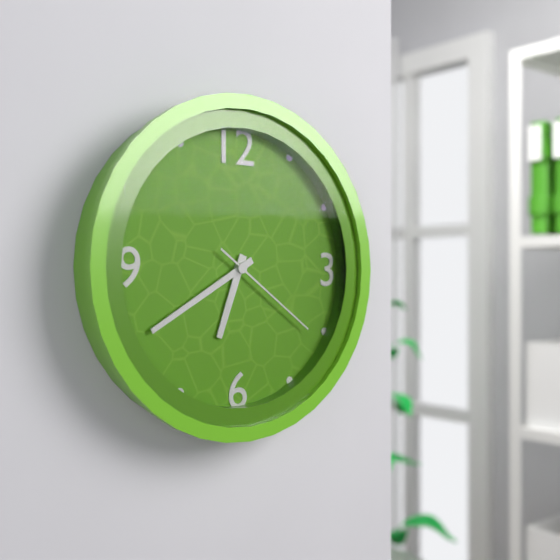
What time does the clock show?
6:40:21
